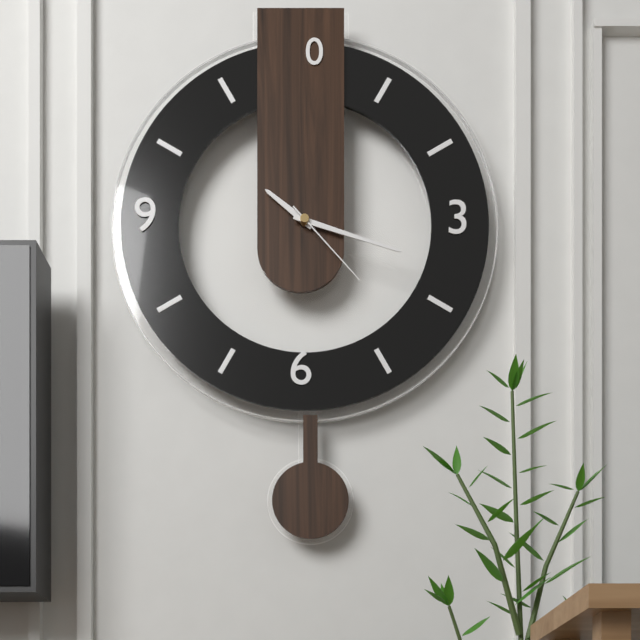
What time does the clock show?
10:18:23
